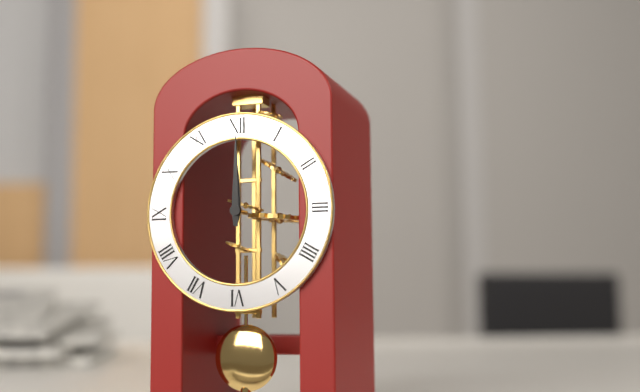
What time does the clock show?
12:00
